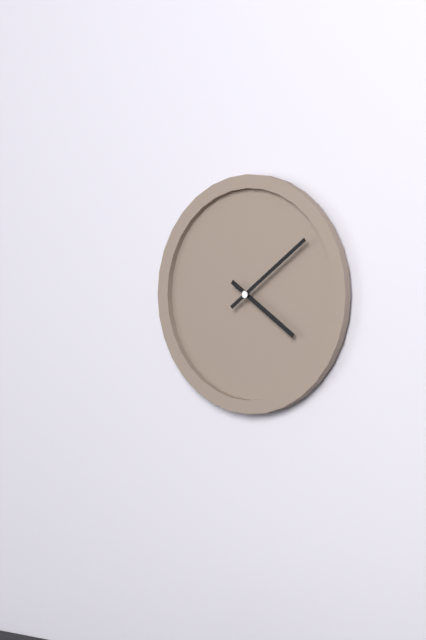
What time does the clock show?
4:09
